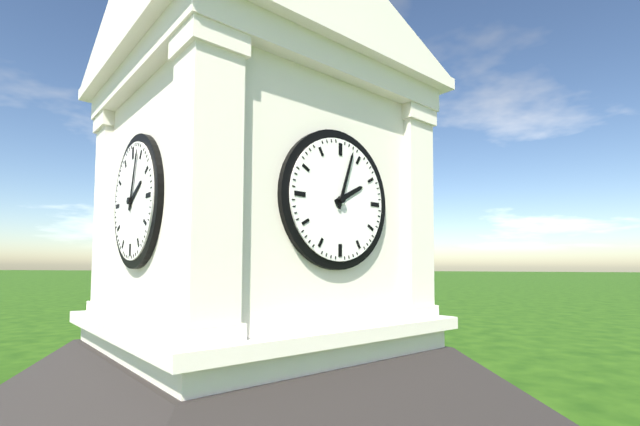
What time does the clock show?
2:03
